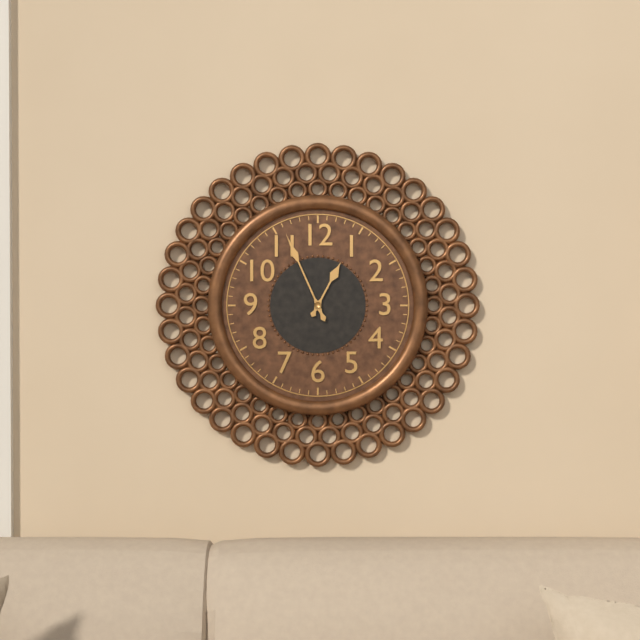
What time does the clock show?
12:56
